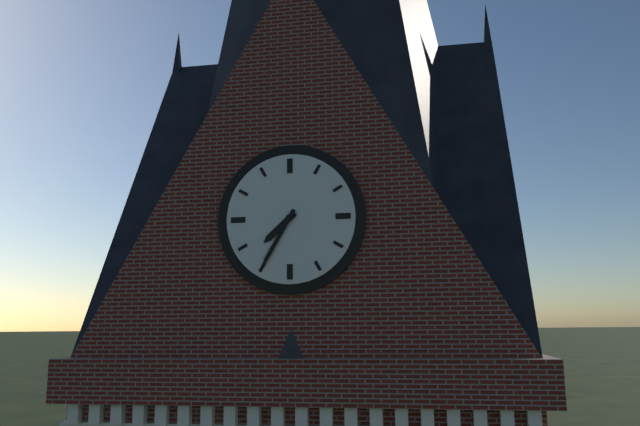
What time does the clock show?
7:35
